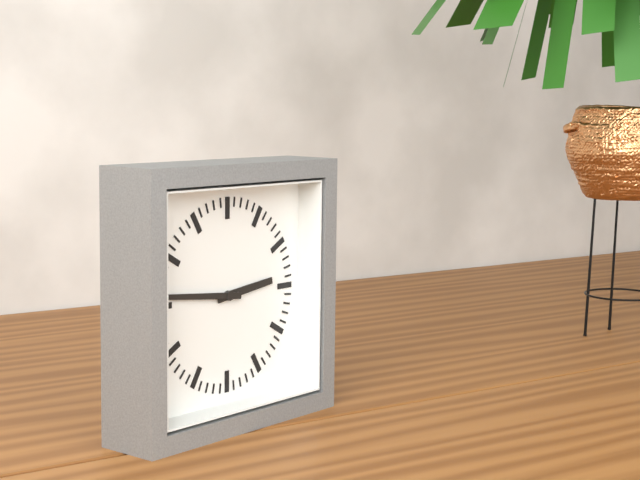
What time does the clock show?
2:46
